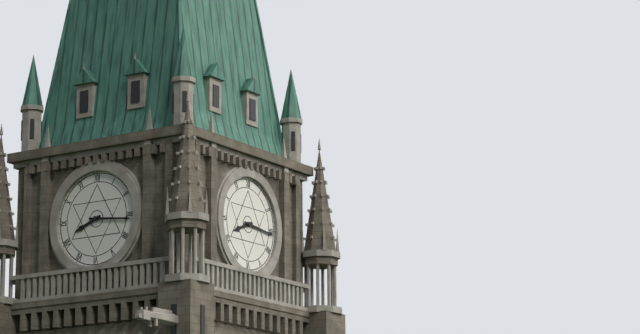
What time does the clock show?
8:16
